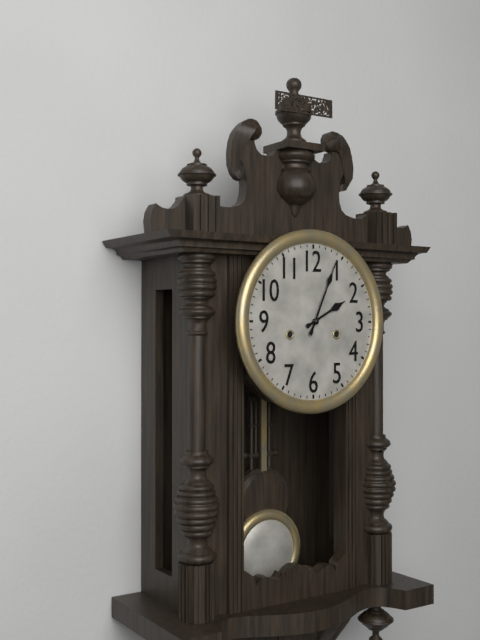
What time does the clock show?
2:04
